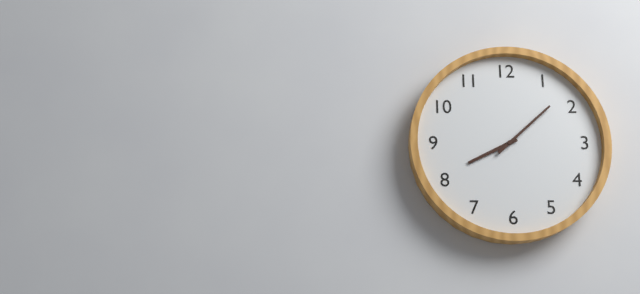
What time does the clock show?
8:08
